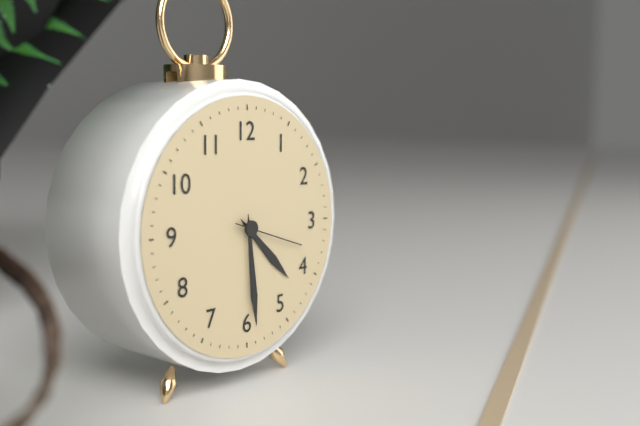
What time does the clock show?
4:29:18
